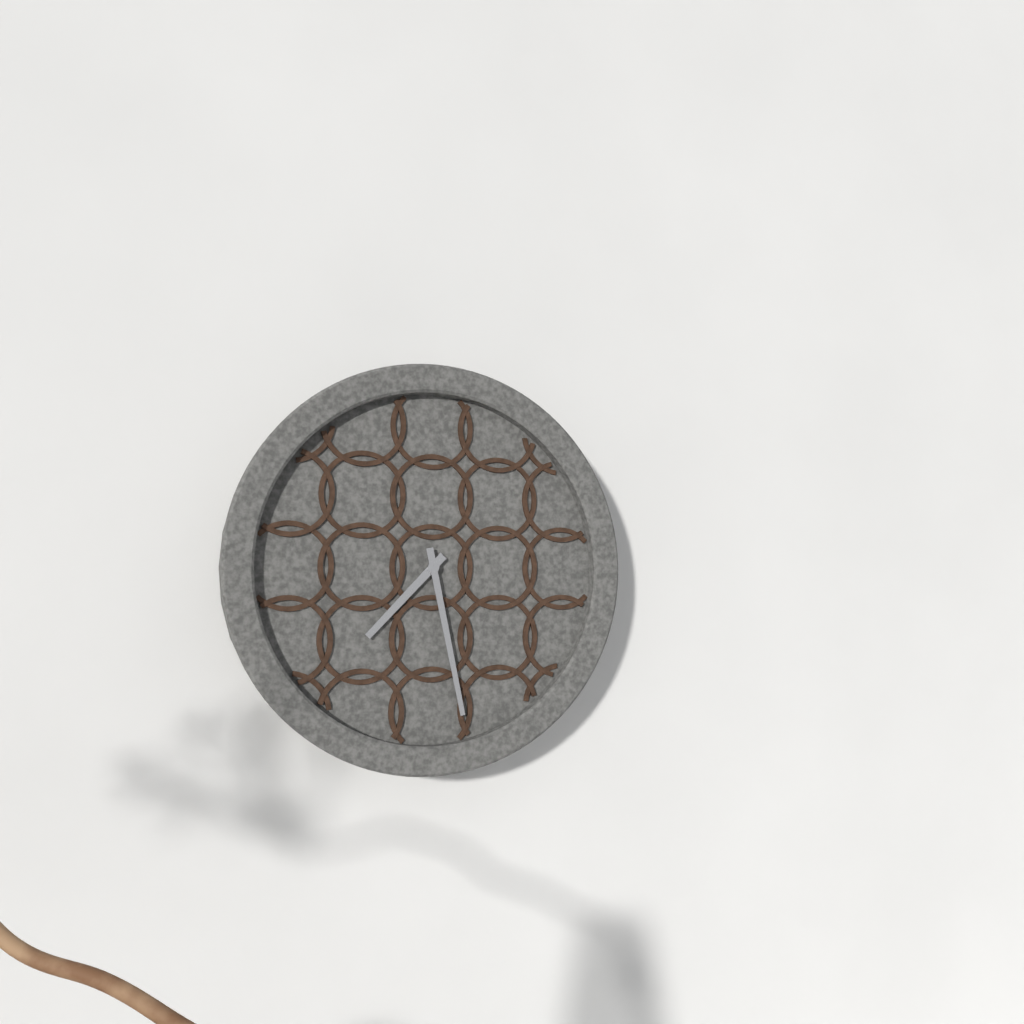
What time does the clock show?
7:28
